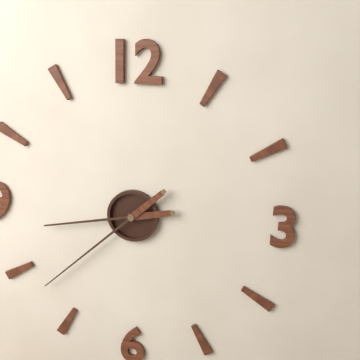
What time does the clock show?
8:38
